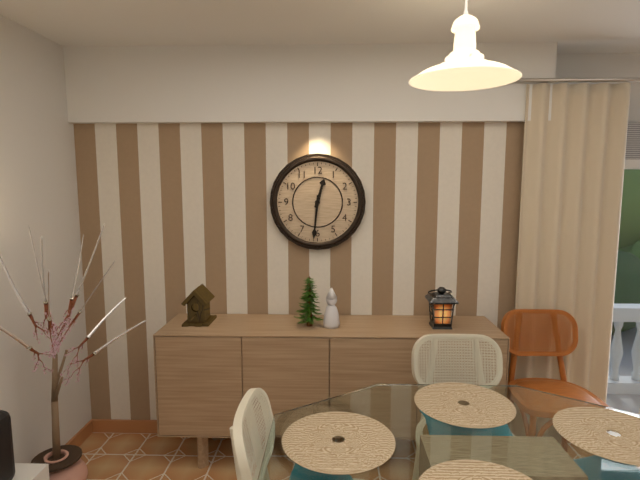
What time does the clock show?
12:31
